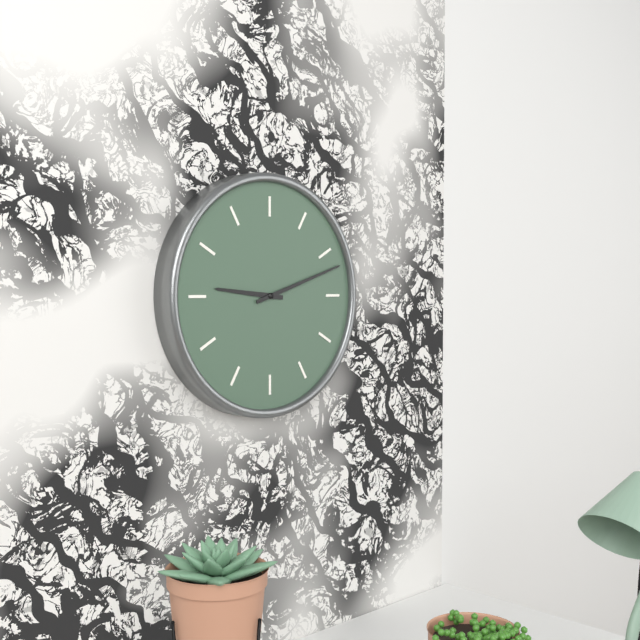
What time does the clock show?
9:12
